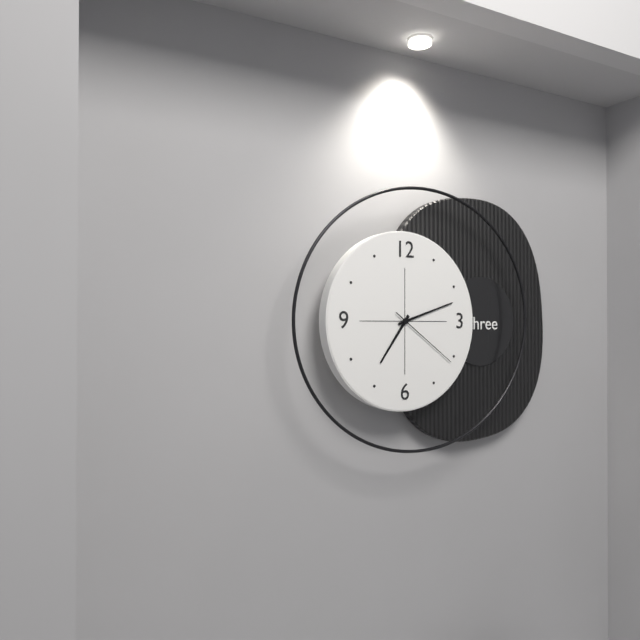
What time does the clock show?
7:12:21
